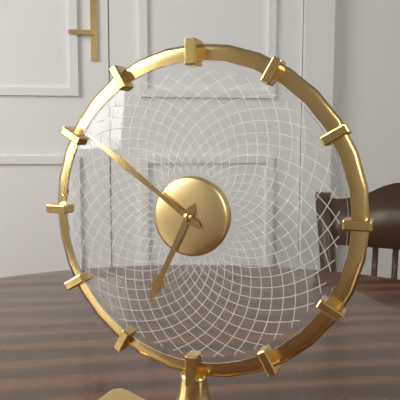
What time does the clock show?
6:51
